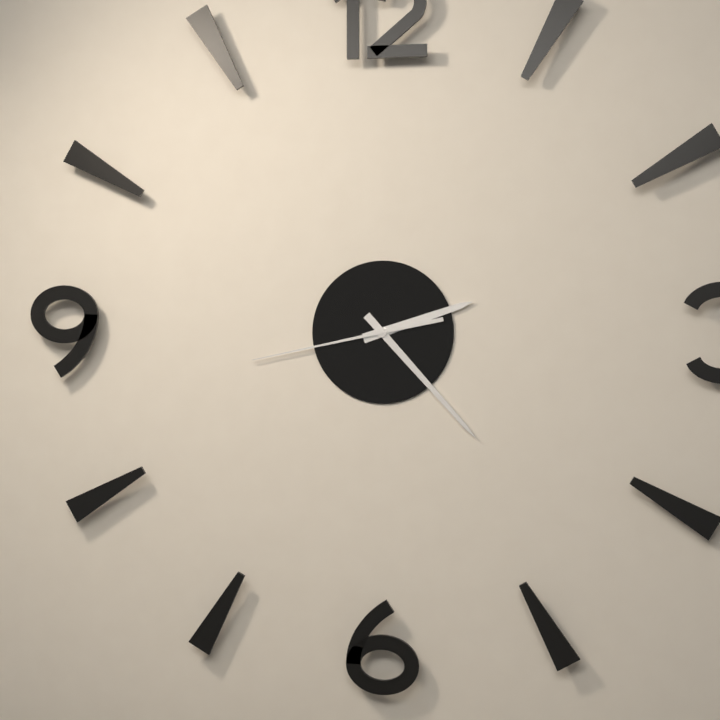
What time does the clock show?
2:23:43
